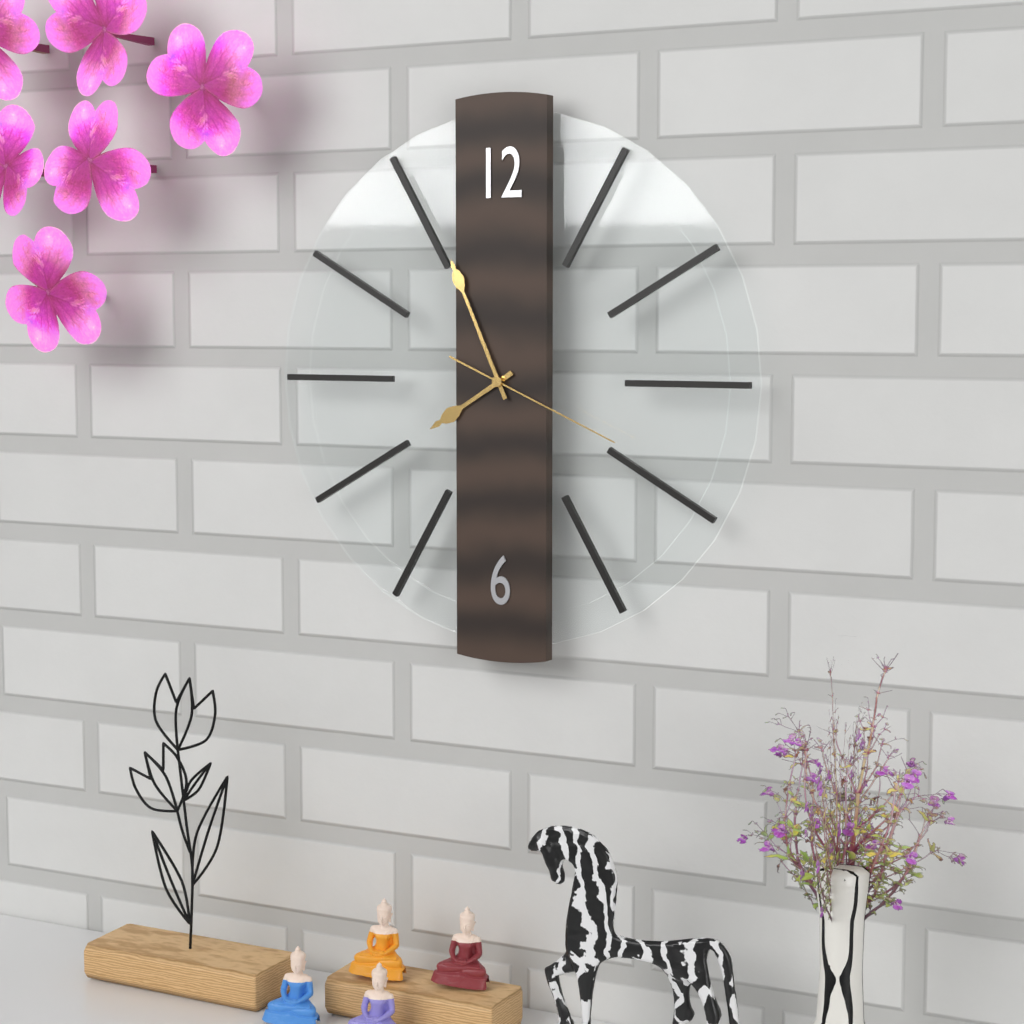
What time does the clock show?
7:56:19
